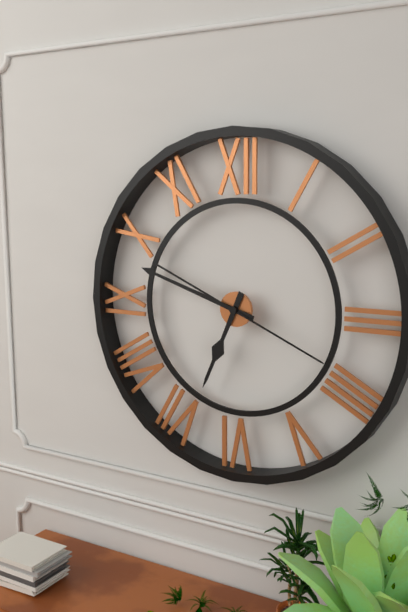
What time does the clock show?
6:48:19
